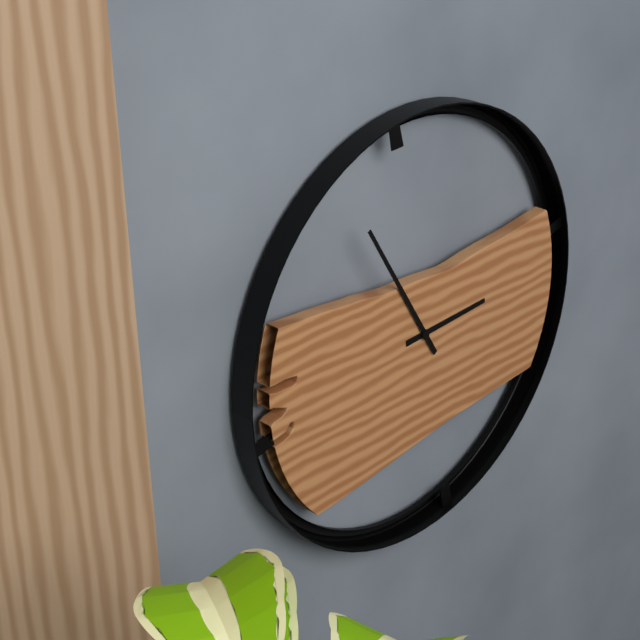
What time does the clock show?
2:55
